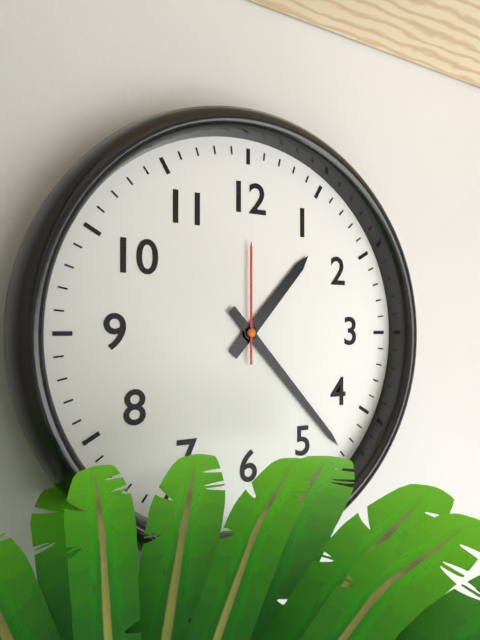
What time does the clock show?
1:23:00
